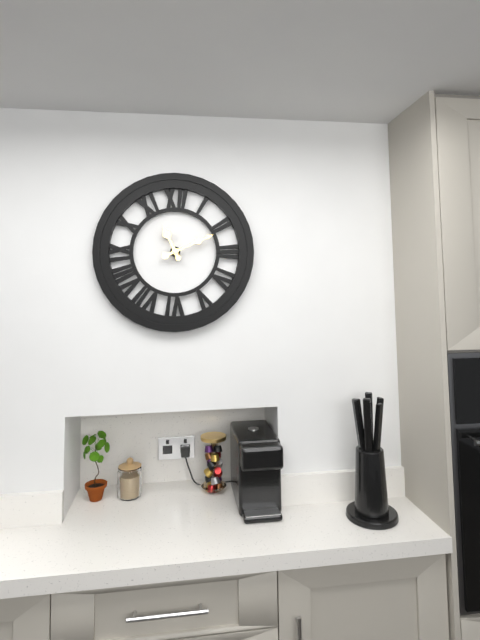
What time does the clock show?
11:11
